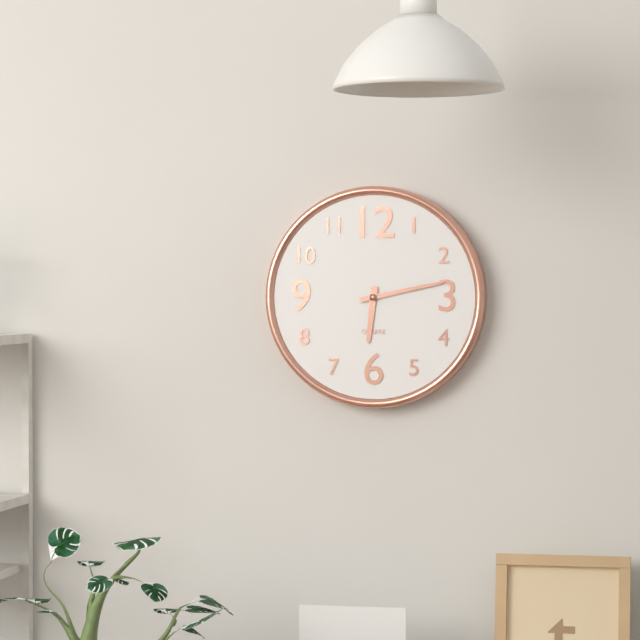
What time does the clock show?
6:13
